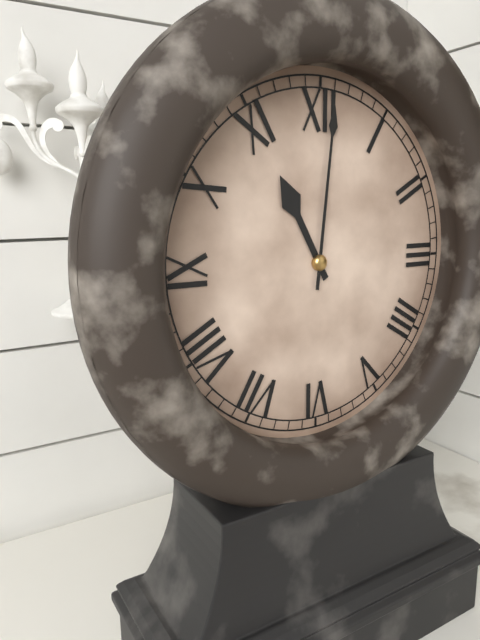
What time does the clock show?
11:01
